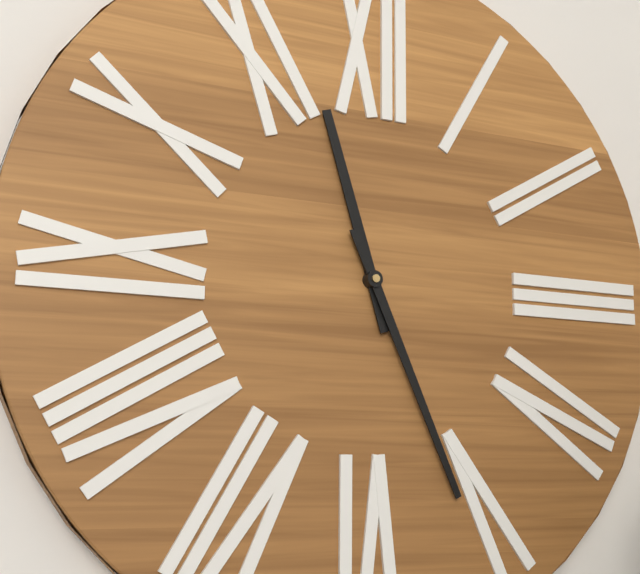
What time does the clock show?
11:26
